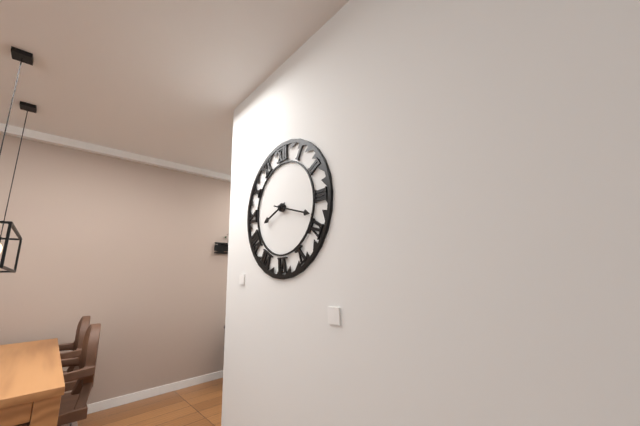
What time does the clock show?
8:18
